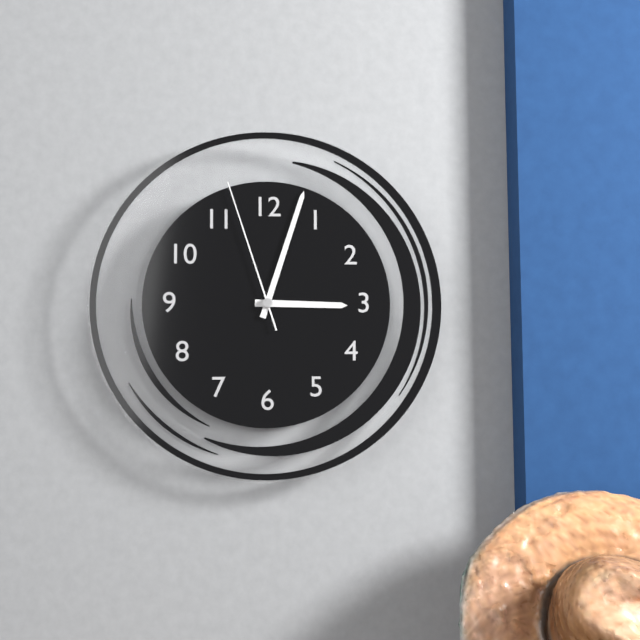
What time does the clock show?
3:03:57
